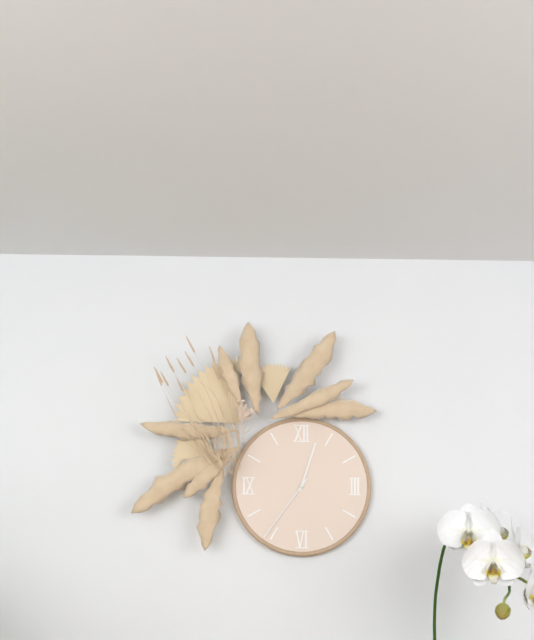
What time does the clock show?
12:36
